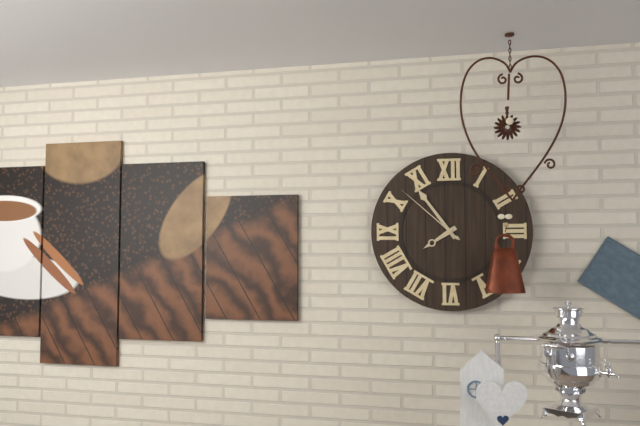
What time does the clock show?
7:54:52
